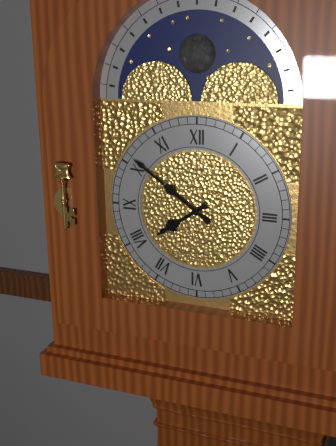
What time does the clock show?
7:51
